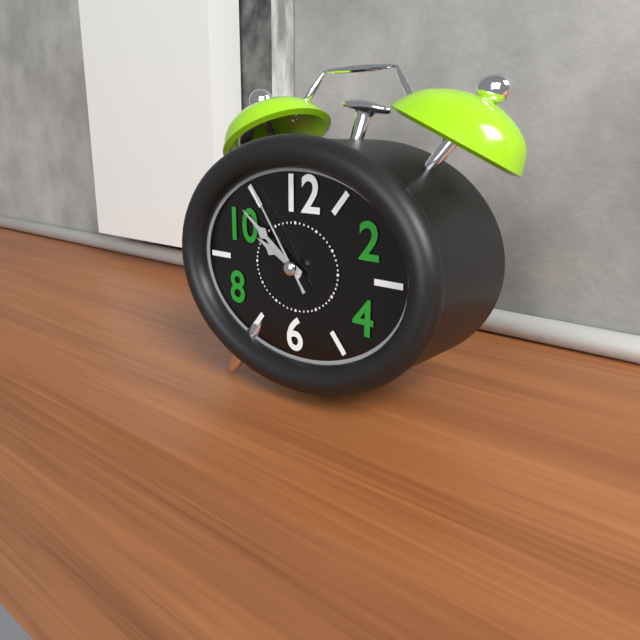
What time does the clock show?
9:51:54
